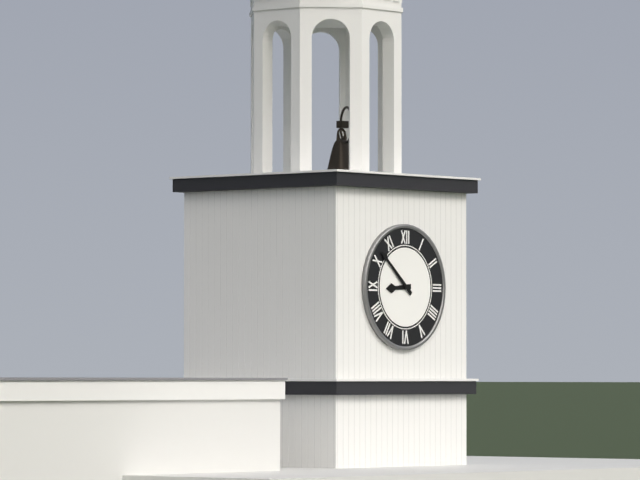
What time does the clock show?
8:52
